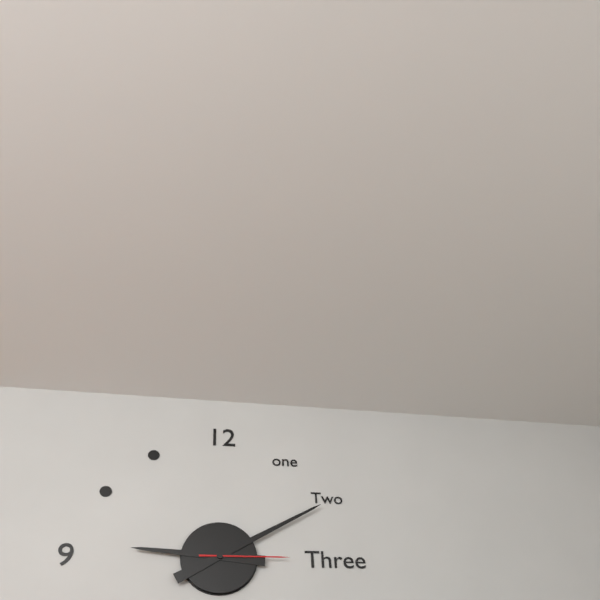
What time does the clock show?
9:10:15
